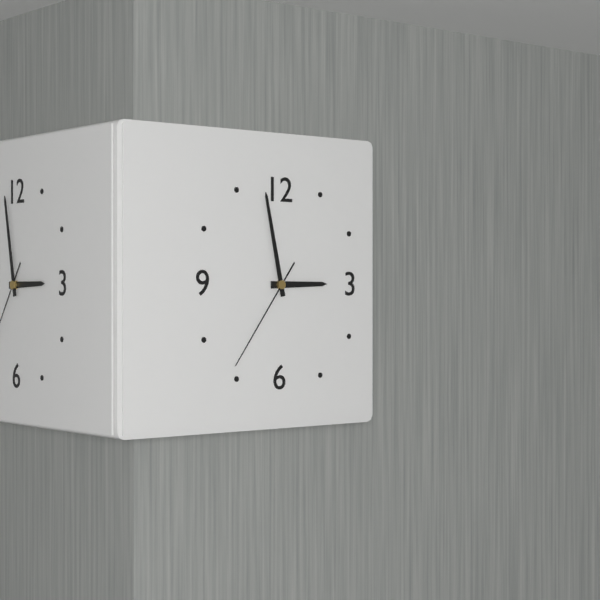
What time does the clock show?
2:58:36
